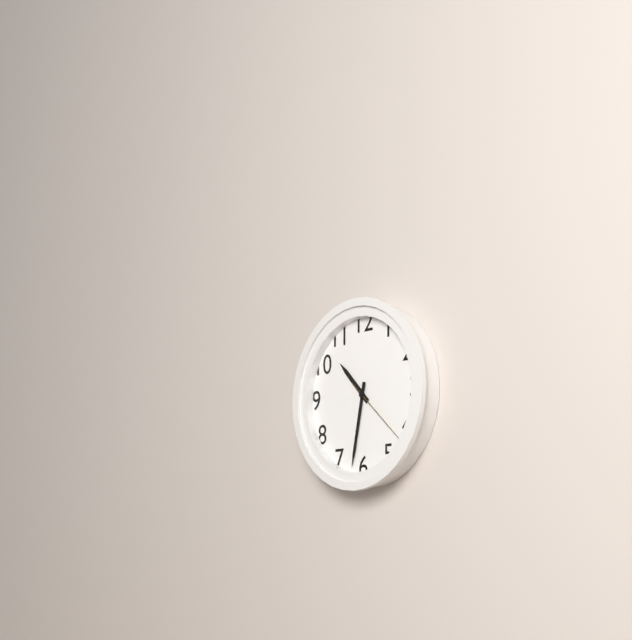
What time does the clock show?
10:32:22
